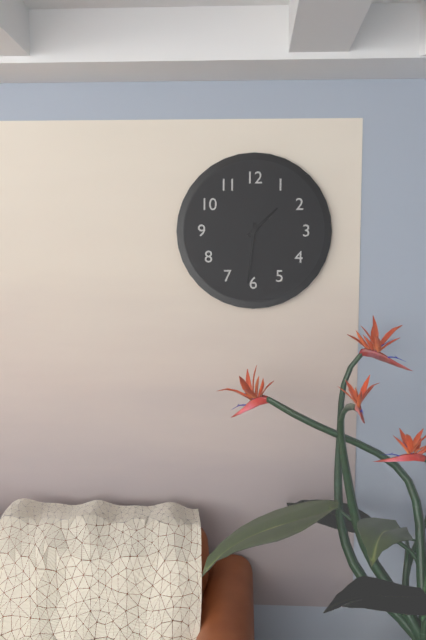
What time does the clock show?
1:31
